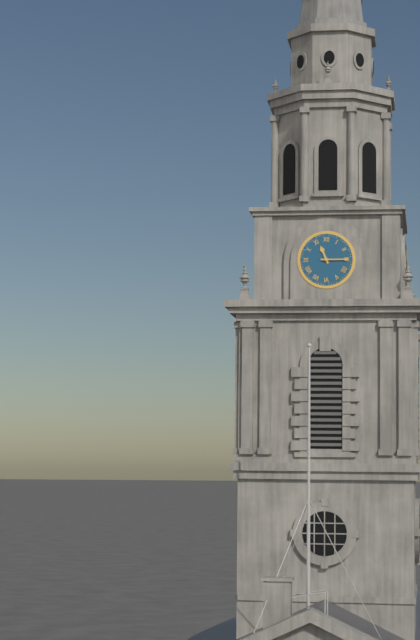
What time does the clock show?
11:15
